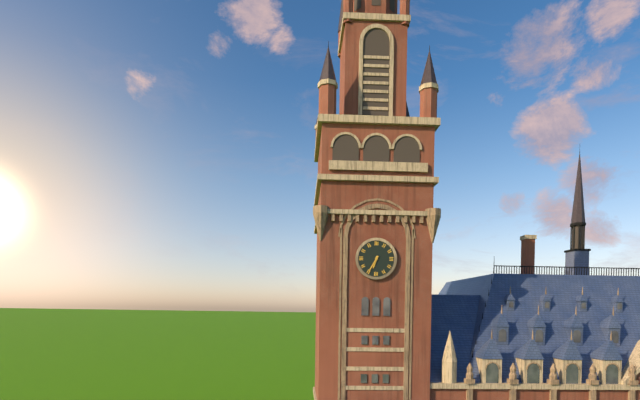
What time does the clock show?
6:35
